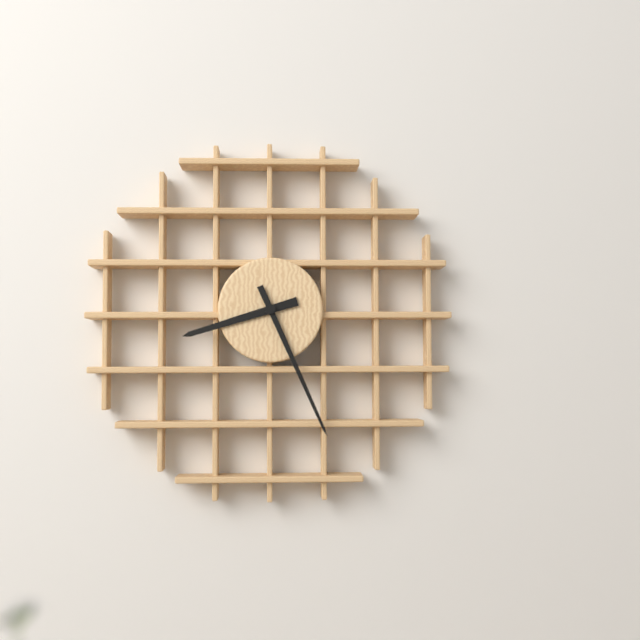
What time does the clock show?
8:26
